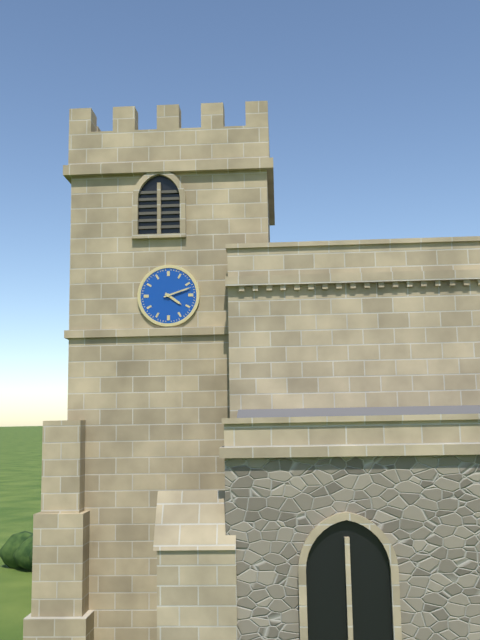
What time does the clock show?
4:12
